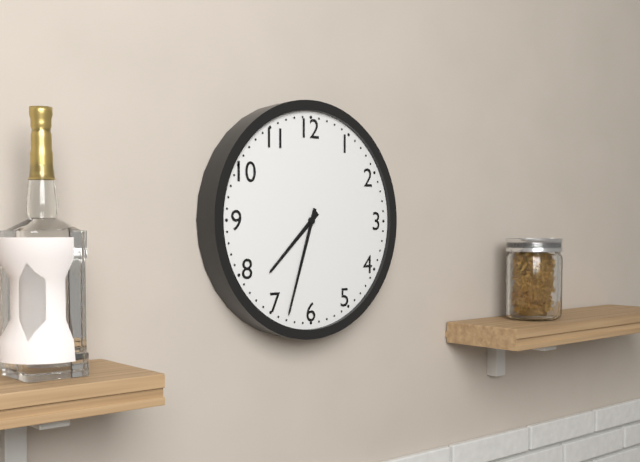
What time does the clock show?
7:33
